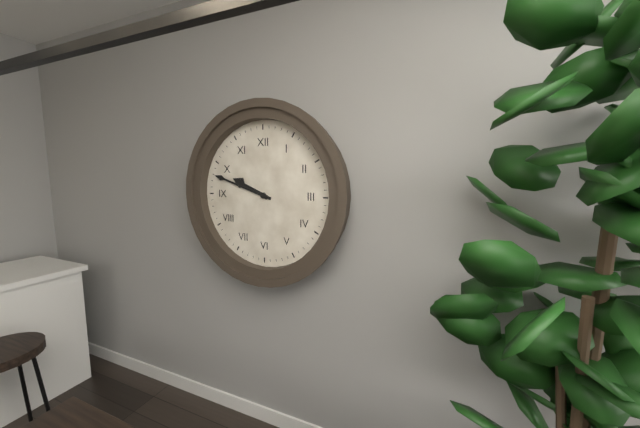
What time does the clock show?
9:48
